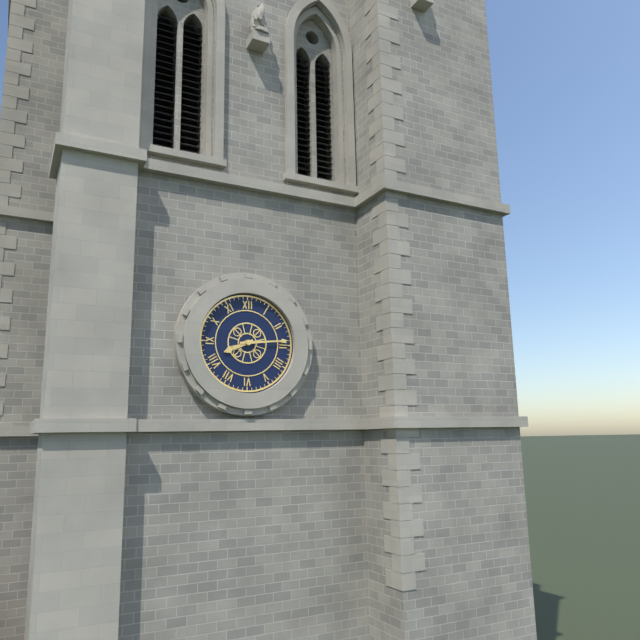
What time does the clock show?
8:14
